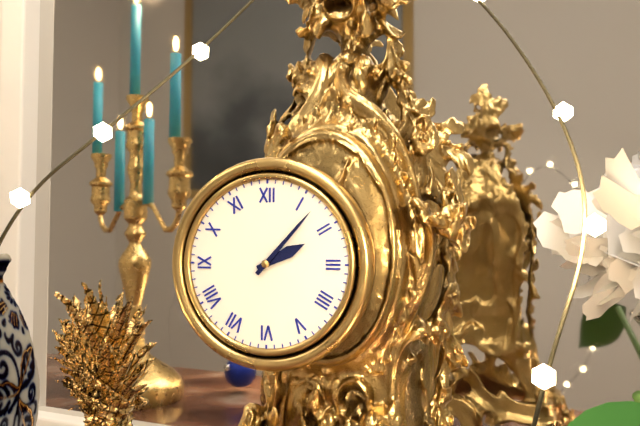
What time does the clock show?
2:07
